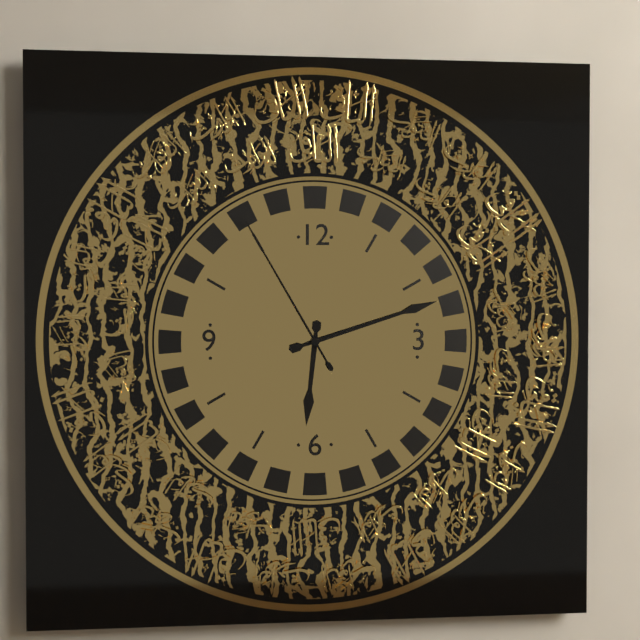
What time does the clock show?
6:12:55
